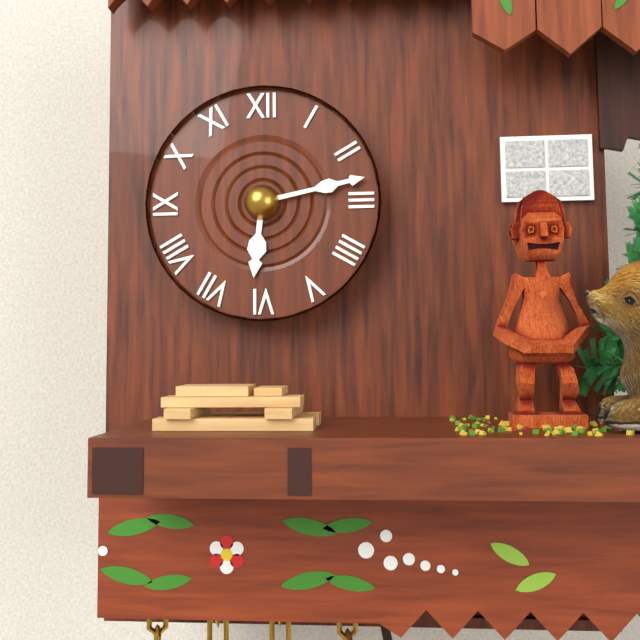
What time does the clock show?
6:13
